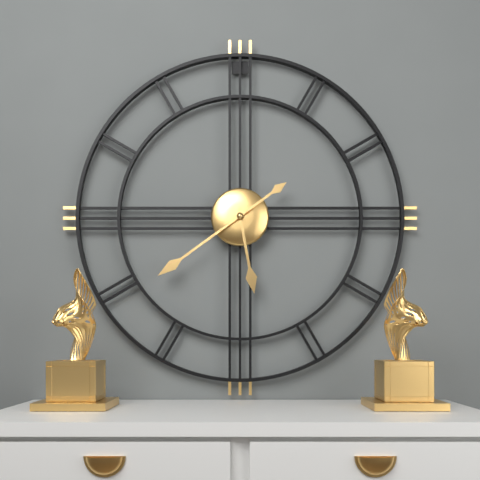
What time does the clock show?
5:39
